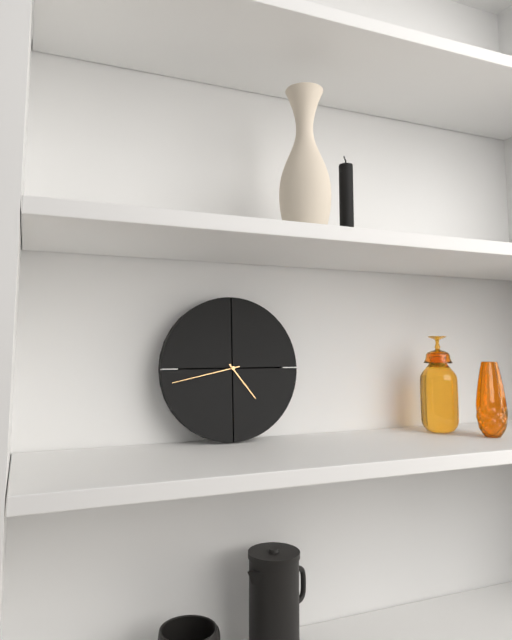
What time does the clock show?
4:43
